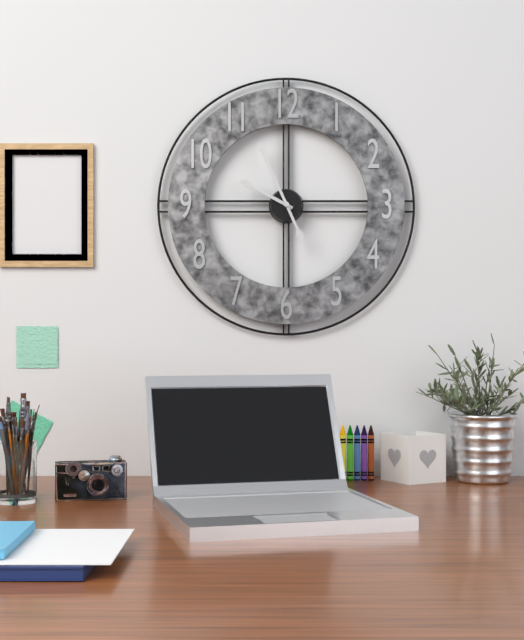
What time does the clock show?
9:56
